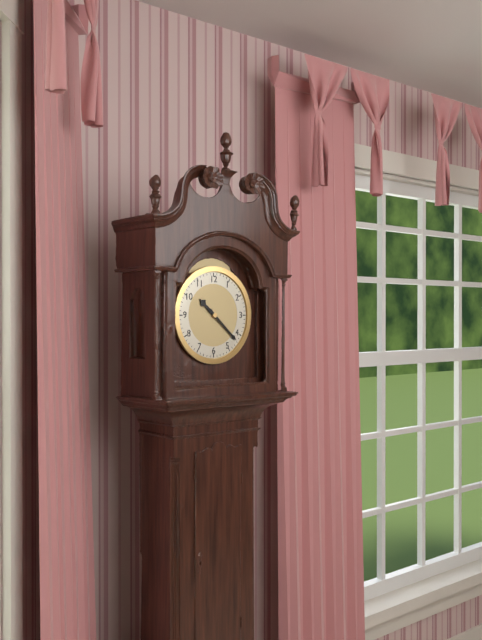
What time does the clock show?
10:22
